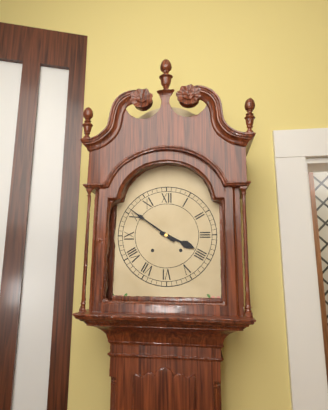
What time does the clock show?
3:51
